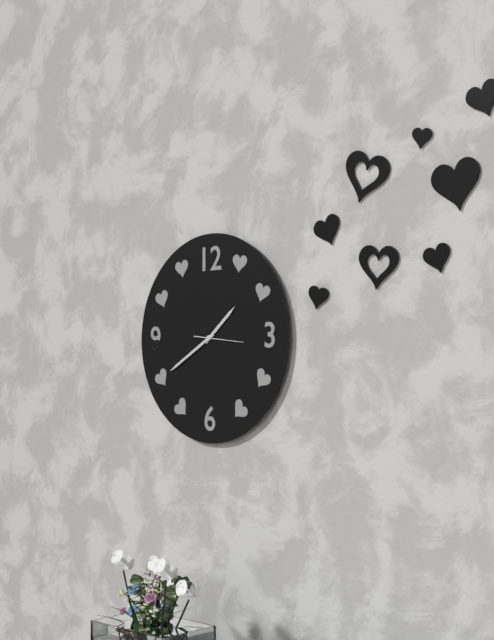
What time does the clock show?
1:40
